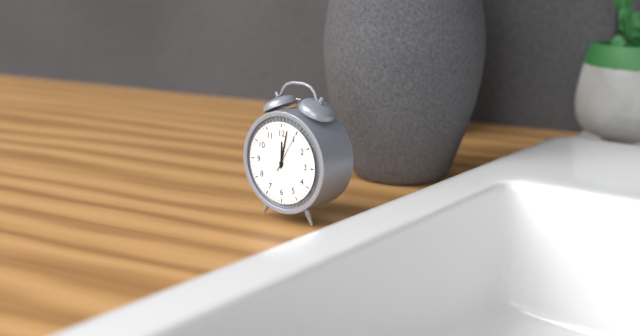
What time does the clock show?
12:02
